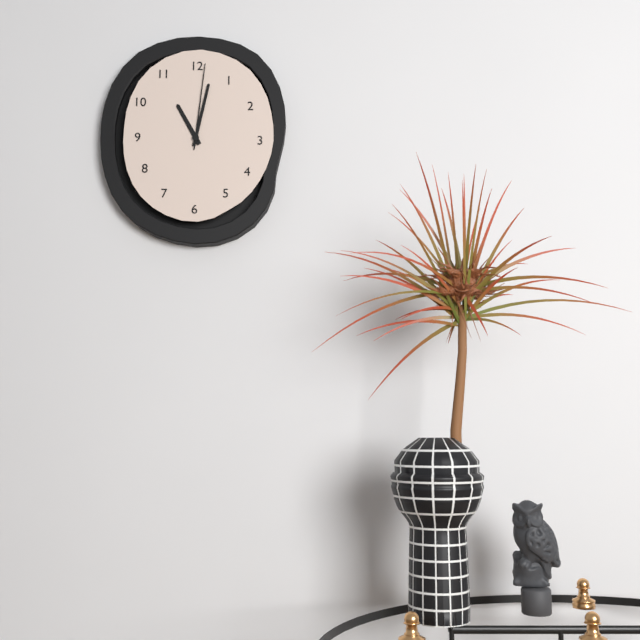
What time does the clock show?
11:02:01
